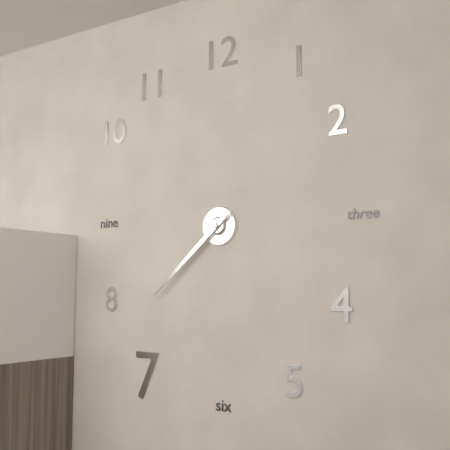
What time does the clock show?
7:38
